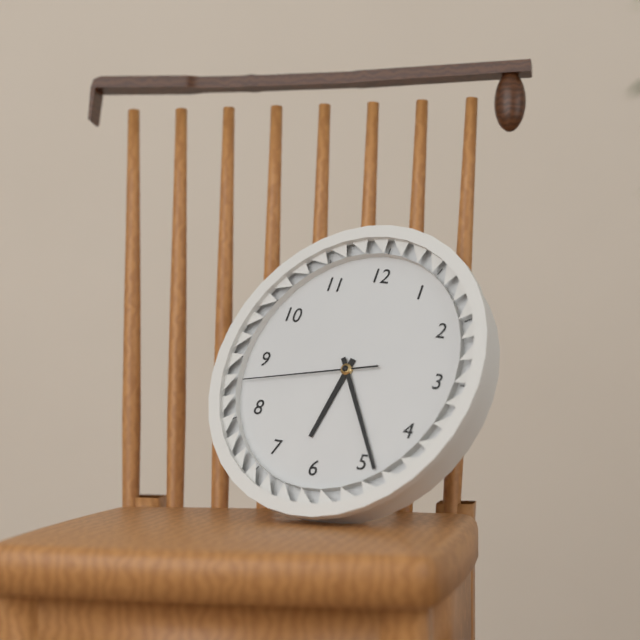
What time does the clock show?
6:24:43
